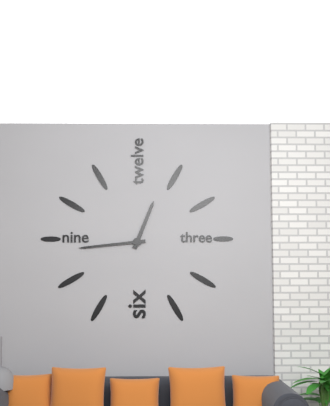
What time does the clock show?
12:44
